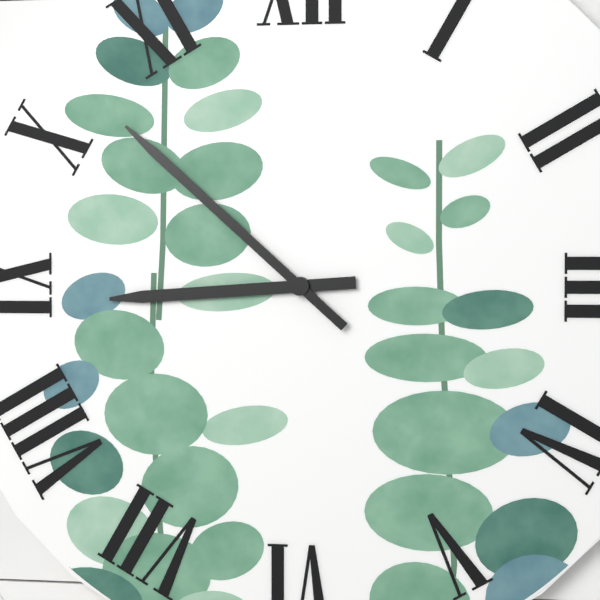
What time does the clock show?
8:52
